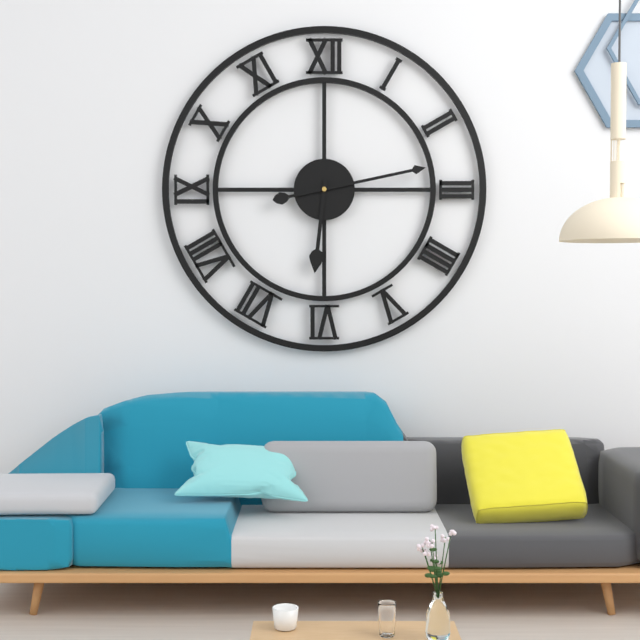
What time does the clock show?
6:13
